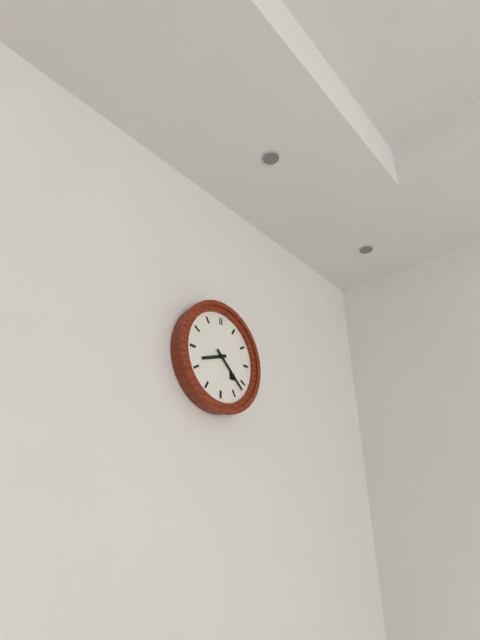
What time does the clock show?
8:22
